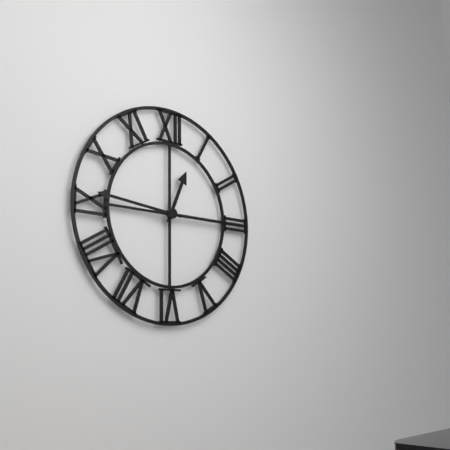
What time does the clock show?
12:46:15
